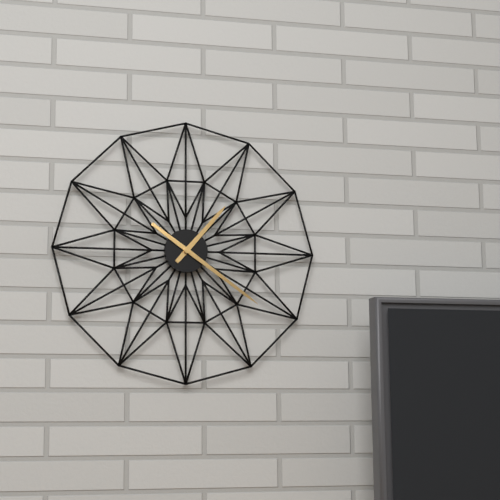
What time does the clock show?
1:21
